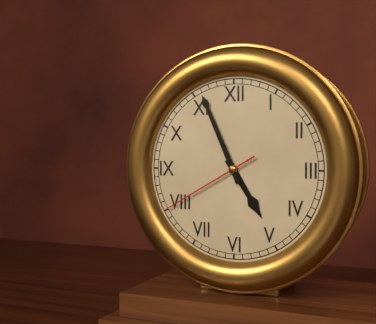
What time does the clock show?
4:56:40
